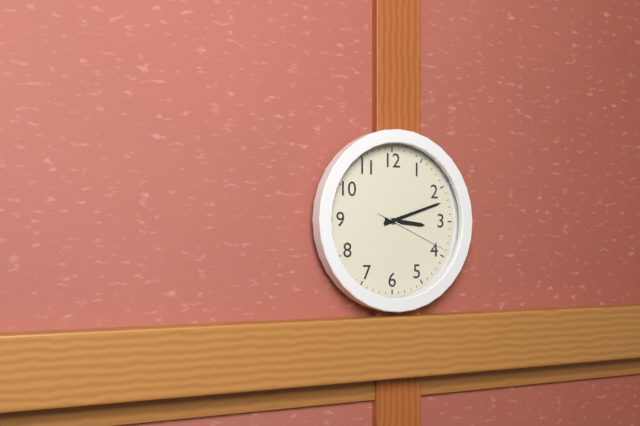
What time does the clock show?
3:12:19
